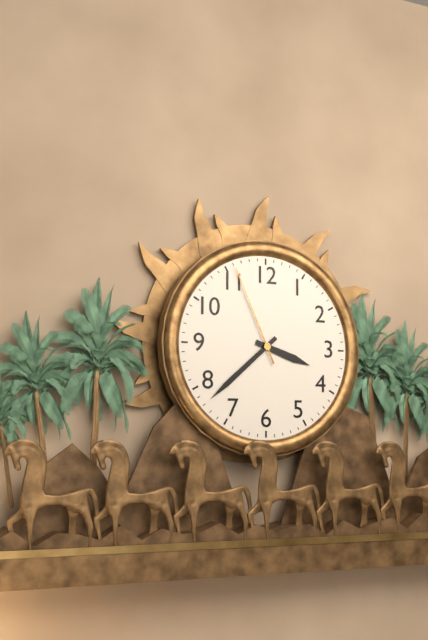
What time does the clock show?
3:38:56
